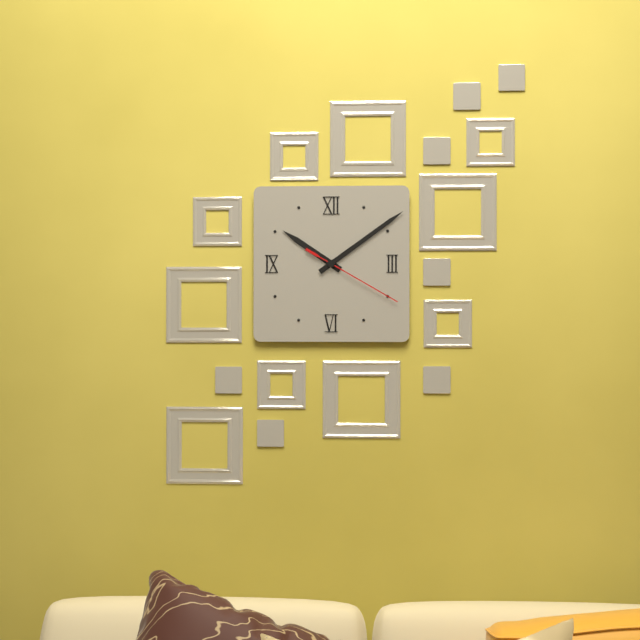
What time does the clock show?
10:09:20
